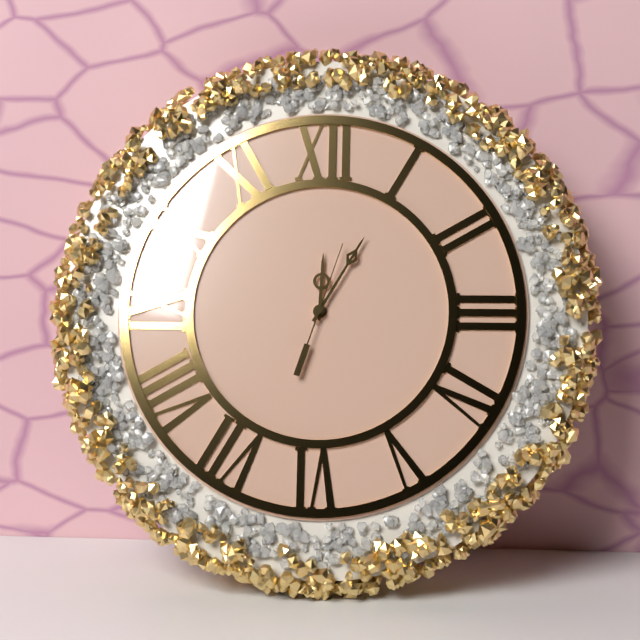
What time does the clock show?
12:05:03
